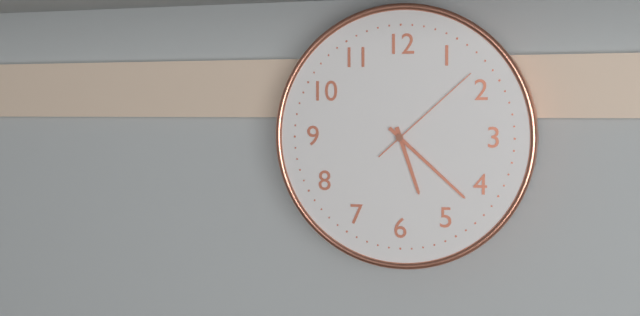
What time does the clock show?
5:22:08
